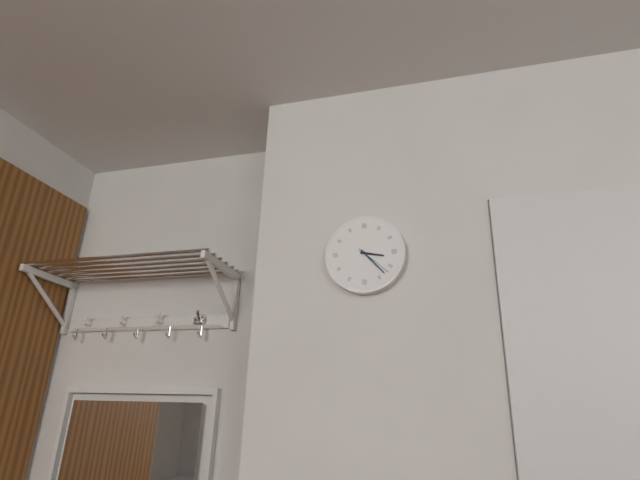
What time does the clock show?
3:23
